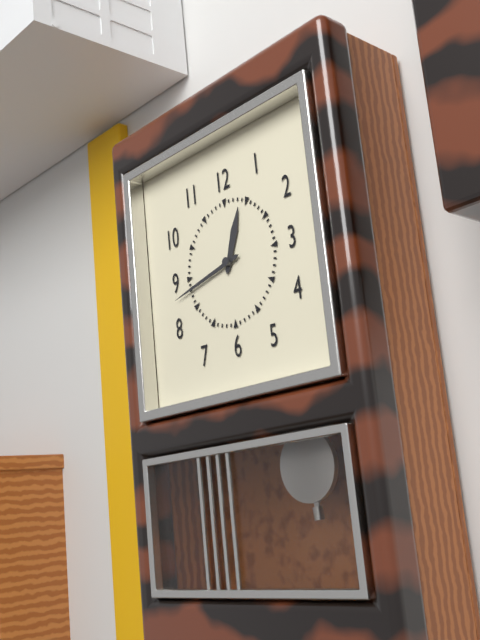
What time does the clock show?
12:43
